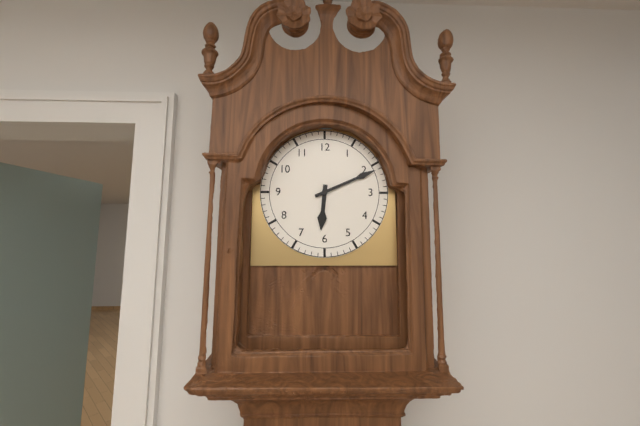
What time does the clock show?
6:11
